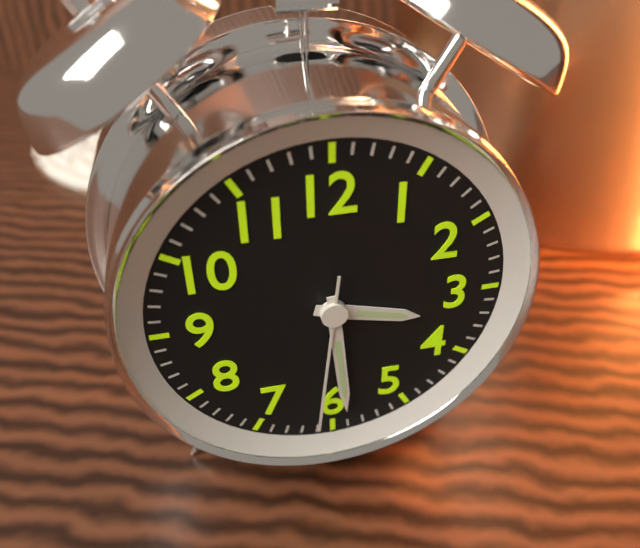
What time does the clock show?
3:29:31
